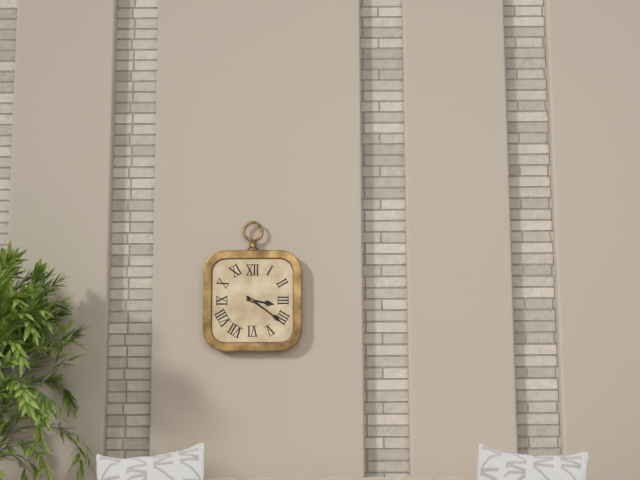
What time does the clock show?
3:21
